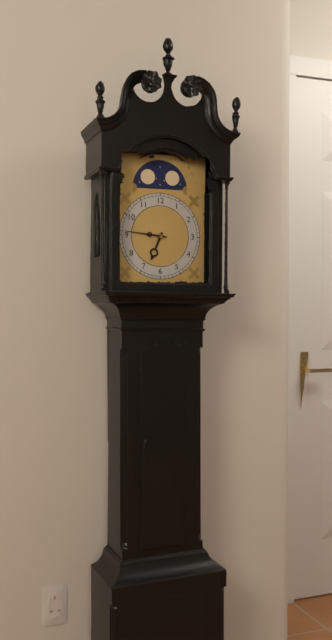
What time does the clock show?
6:46
